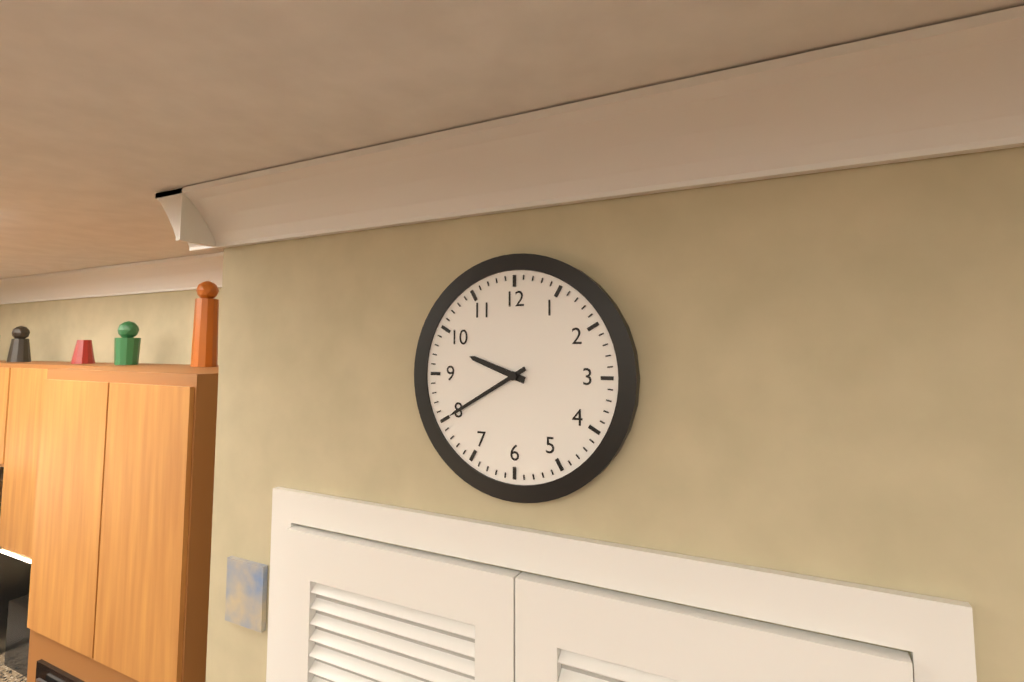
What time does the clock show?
9:40
